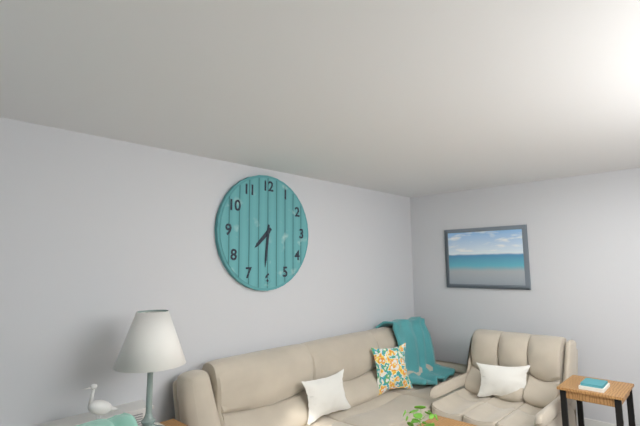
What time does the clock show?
7:31
